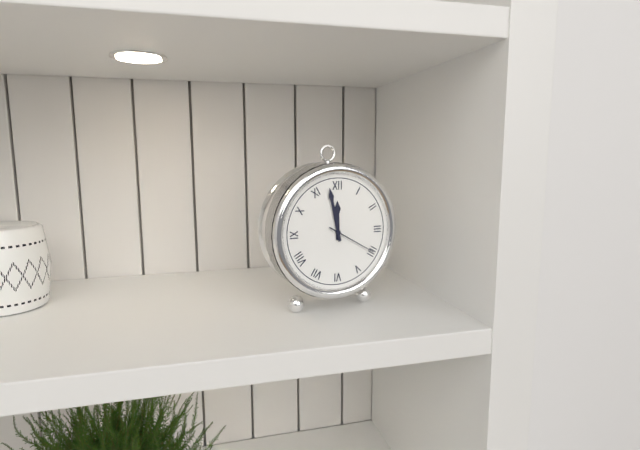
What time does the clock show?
11:58:20
